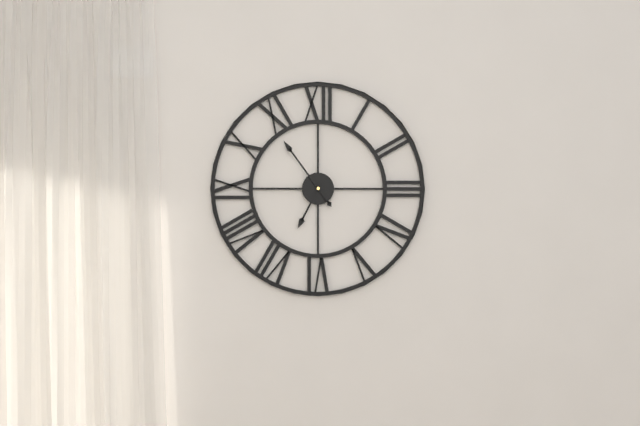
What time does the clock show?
6:54
